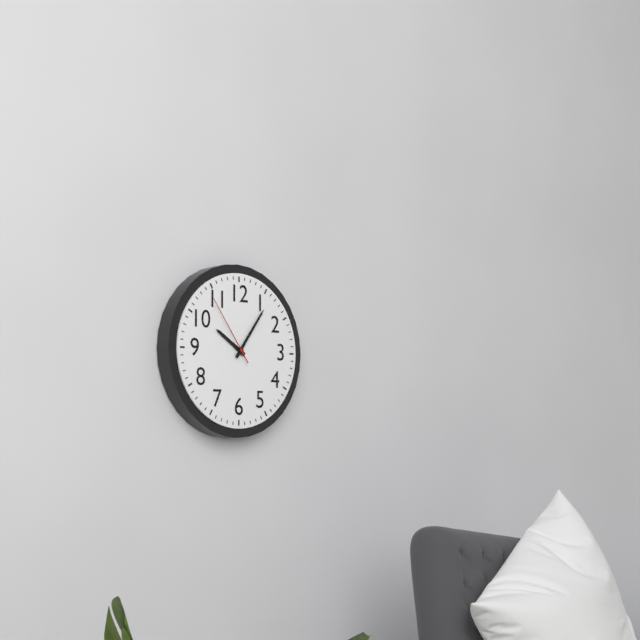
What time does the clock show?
10:06:54
